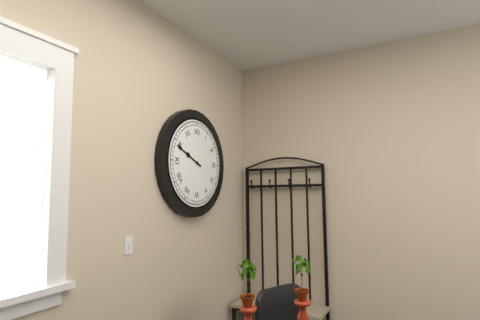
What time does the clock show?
9:49
